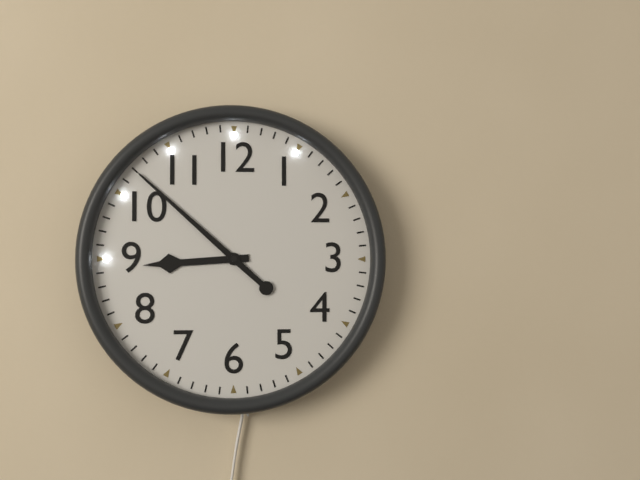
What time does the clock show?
8:52
